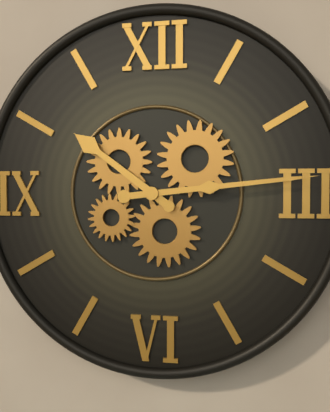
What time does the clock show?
10:14
